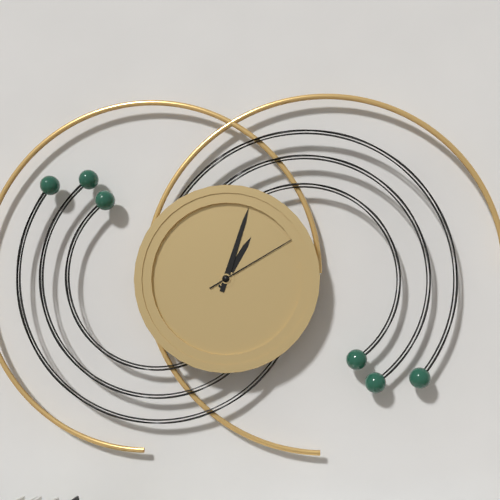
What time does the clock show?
1:03:10
